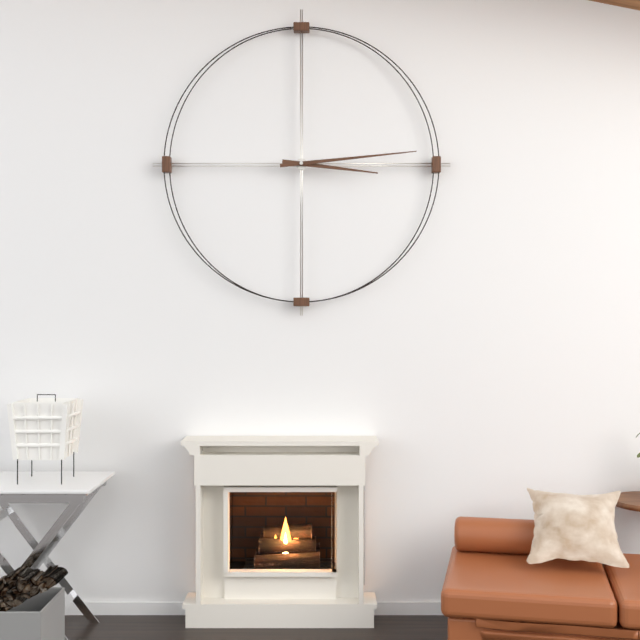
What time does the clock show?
3:14
